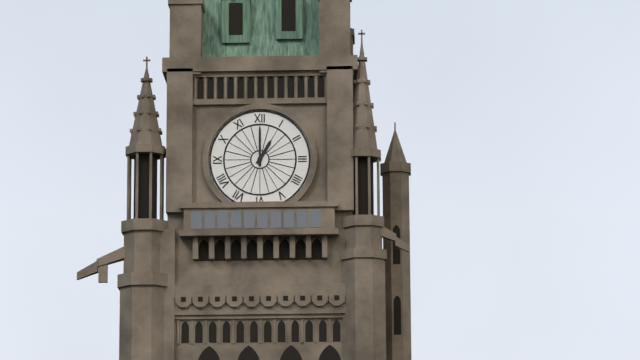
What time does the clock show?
1:00
